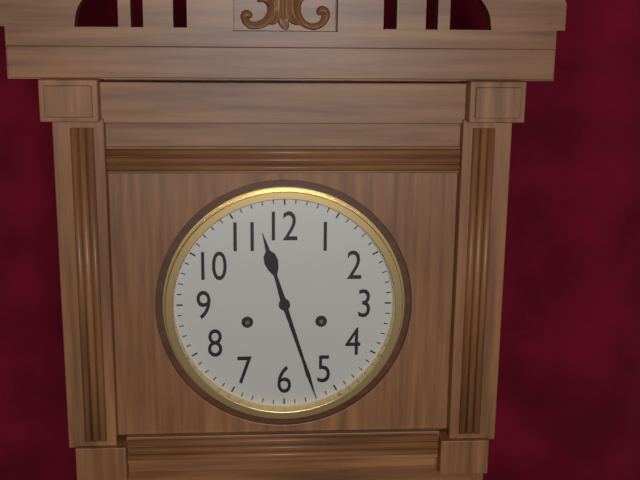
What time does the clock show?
11:27
